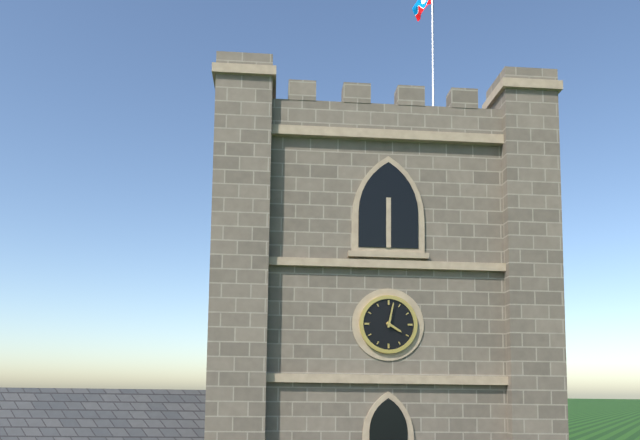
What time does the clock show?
4:02
